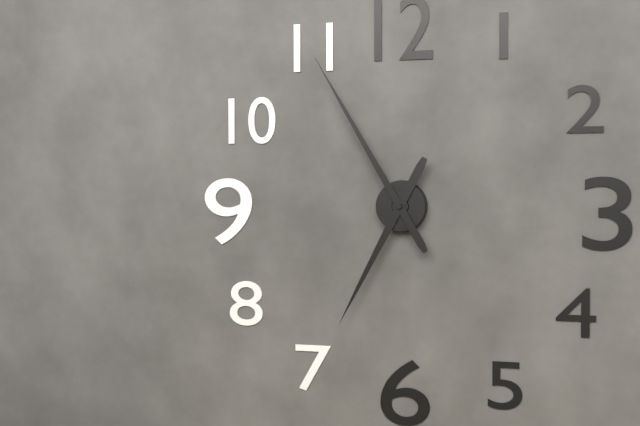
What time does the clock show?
6:55
